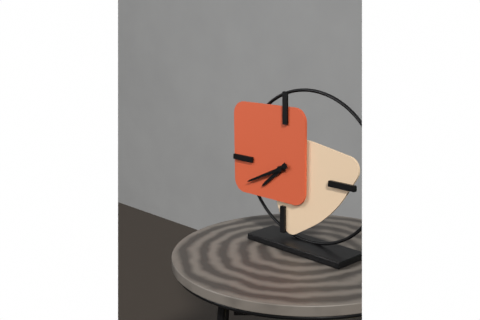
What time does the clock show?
7:41
